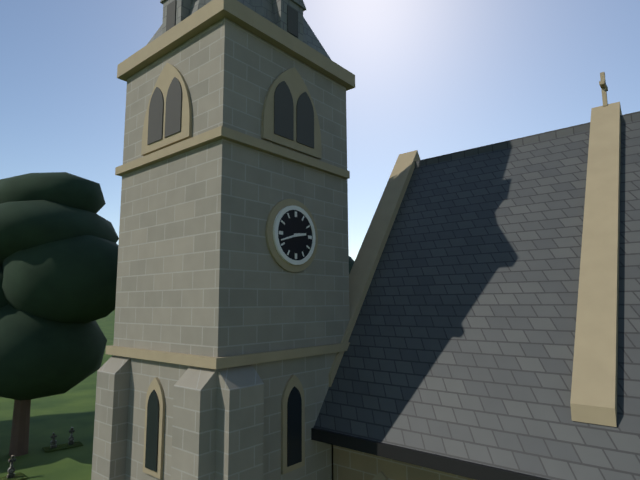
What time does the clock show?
2:42
